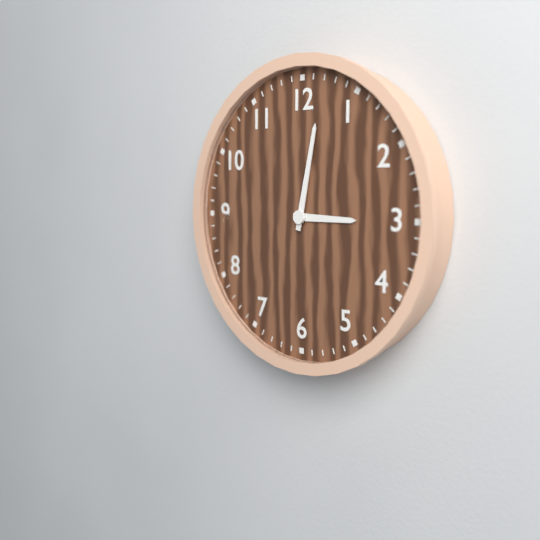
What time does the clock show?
3:02
